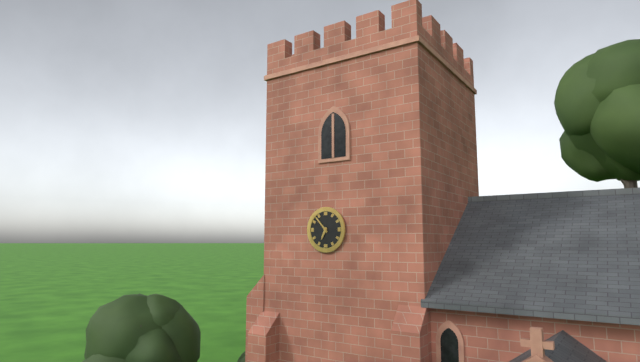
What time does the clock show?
6:53
